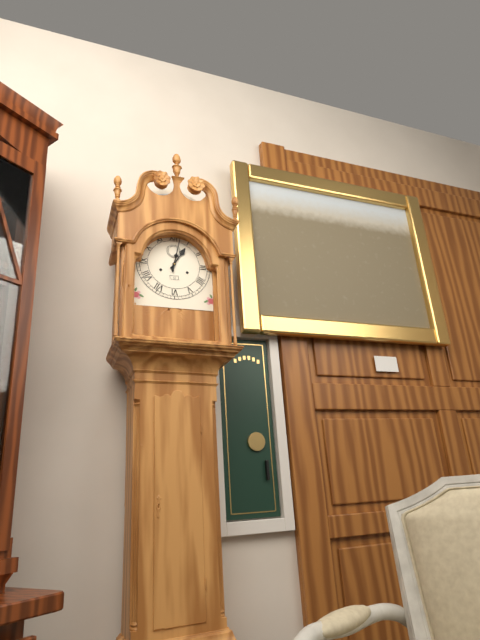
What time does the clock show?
1:02
